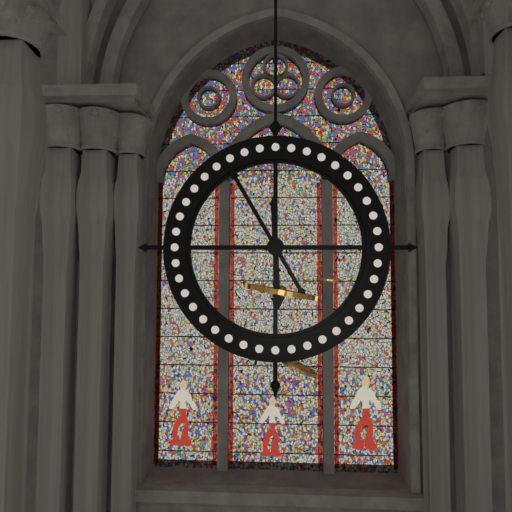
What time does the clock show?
5:55
